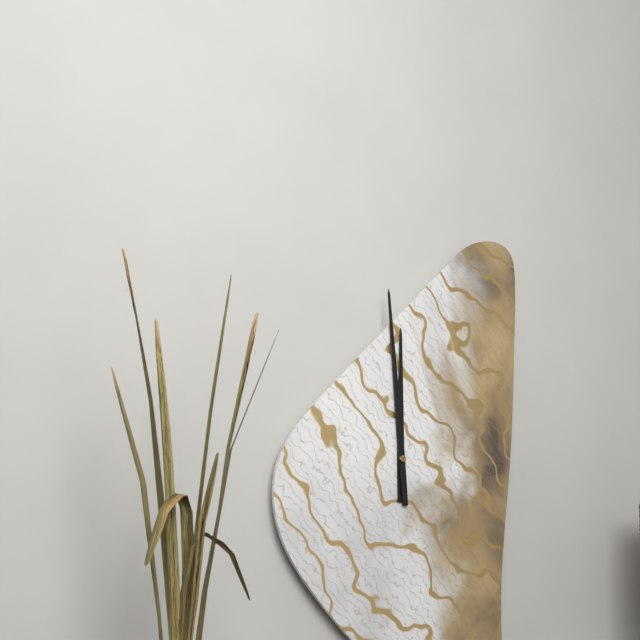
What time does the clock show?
11:59
